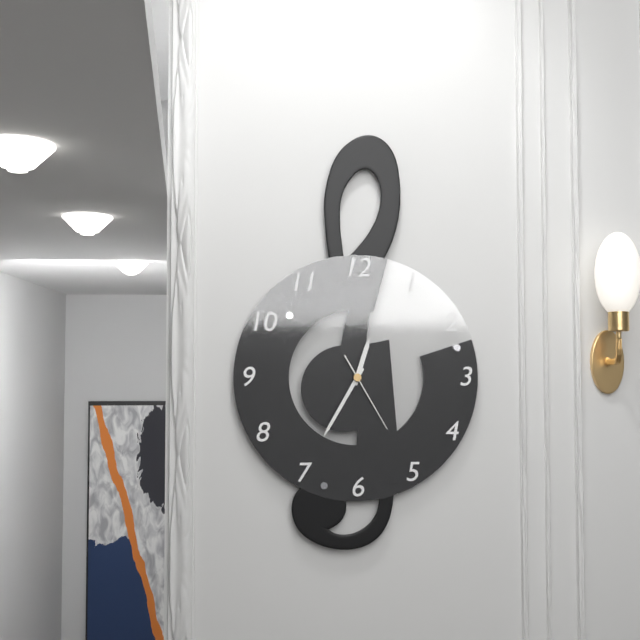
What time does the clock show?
12:35:25
